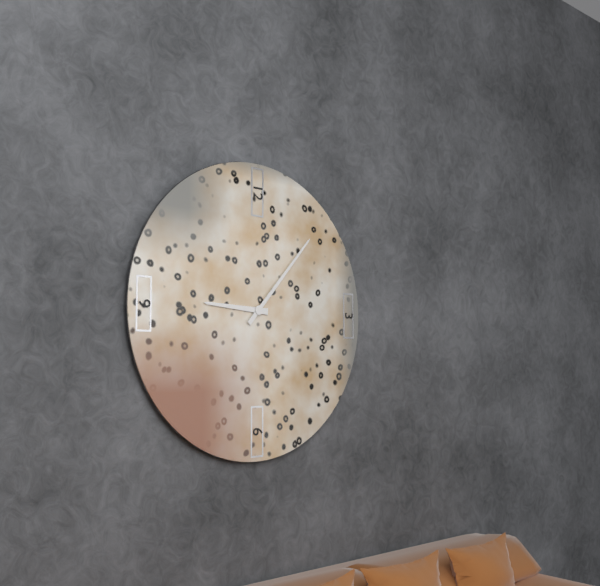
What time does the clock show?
9:07
